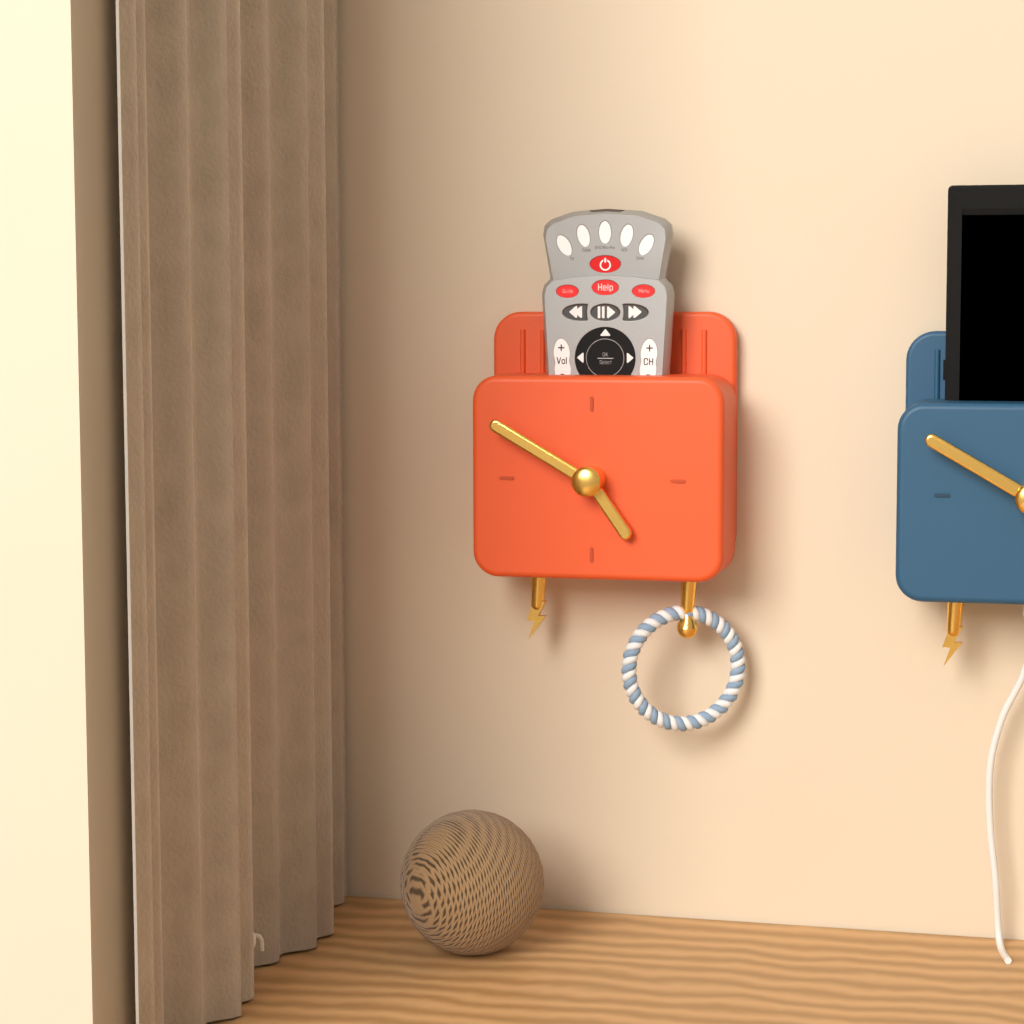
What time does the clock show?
4:50
